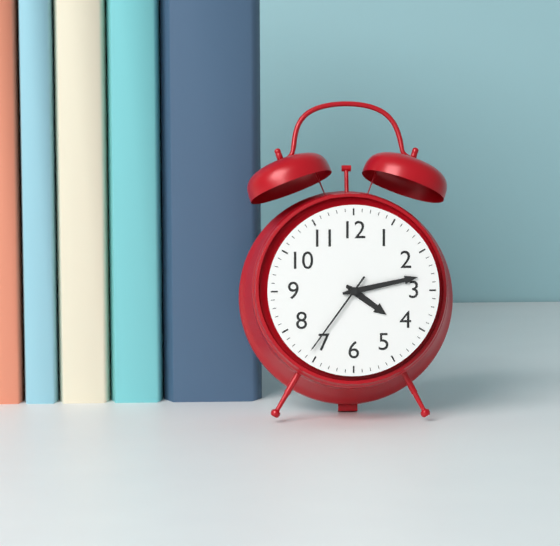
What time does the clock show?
4:13:36
